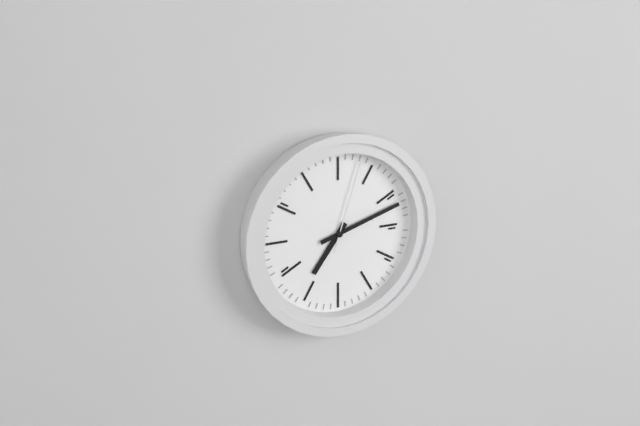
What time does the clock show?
7:12:03
